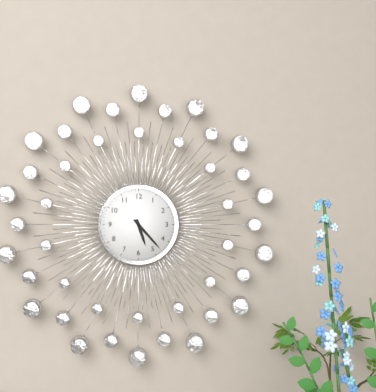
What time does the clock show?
5:23
